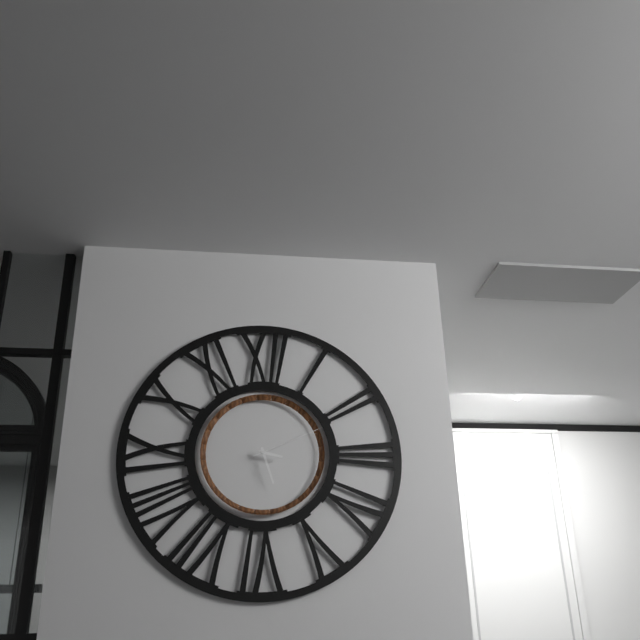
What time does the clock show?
3:27:11
